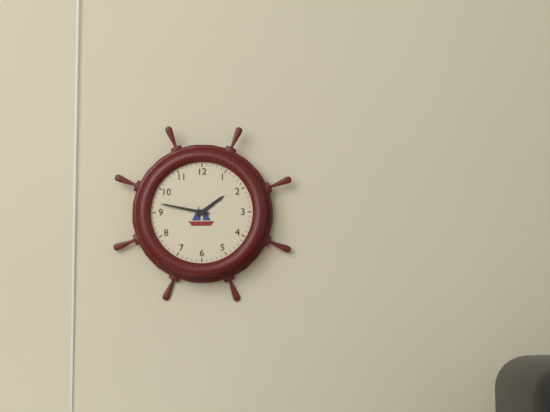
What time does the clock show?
1:47
